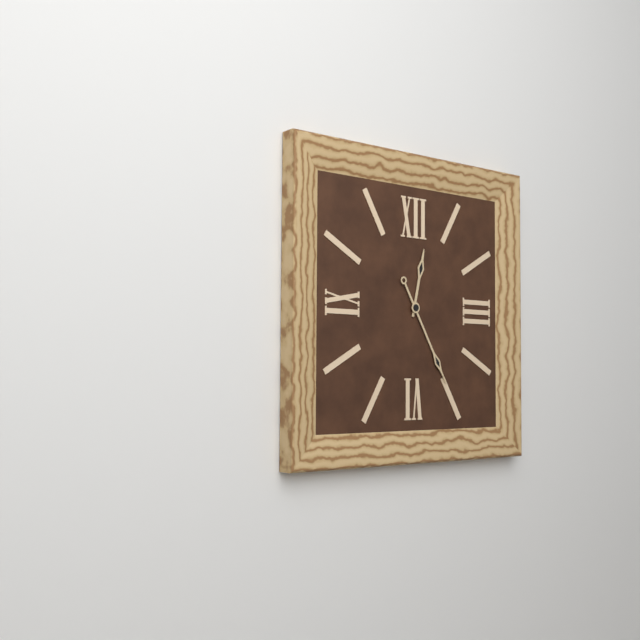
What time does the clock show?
12:25
